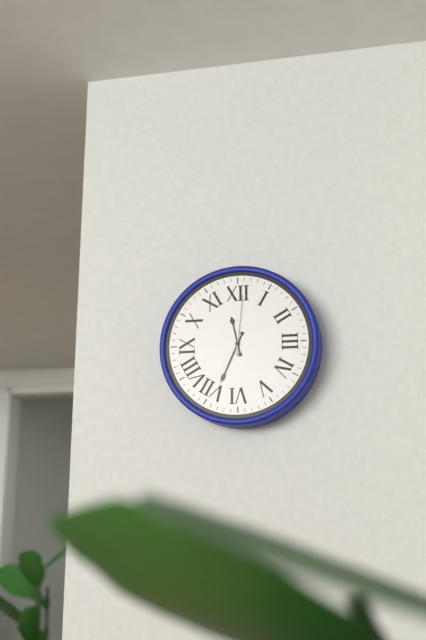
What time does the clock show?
11:34:01
